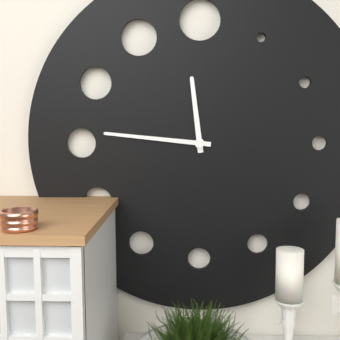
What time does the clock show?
11:46
